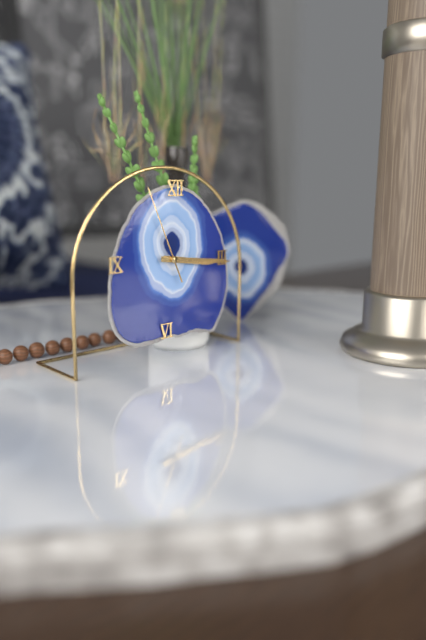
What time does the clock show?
3:16:56
